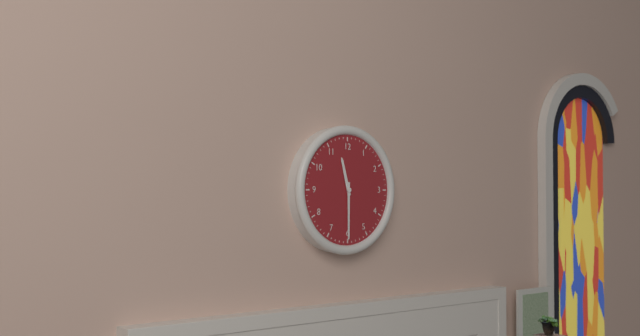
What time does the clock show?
11:30
